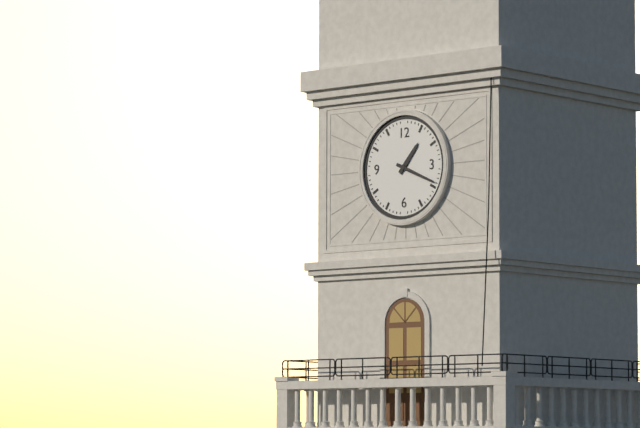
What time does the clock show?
1:19
